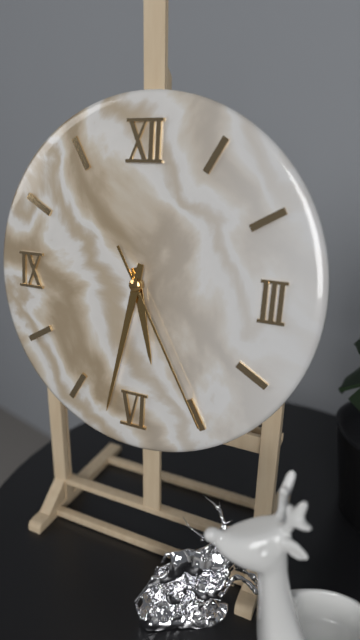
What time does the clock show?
5:32:25
